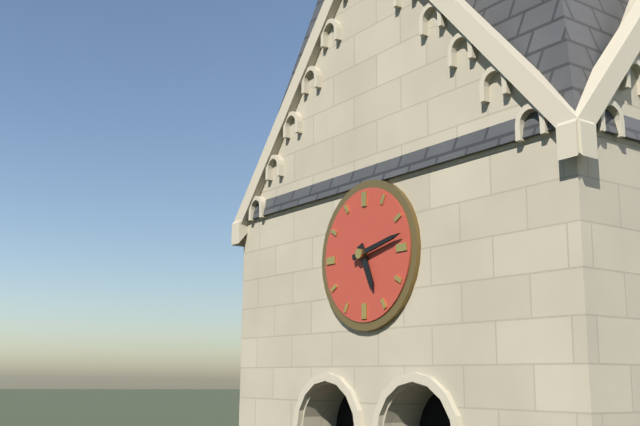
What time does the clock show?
5:13
